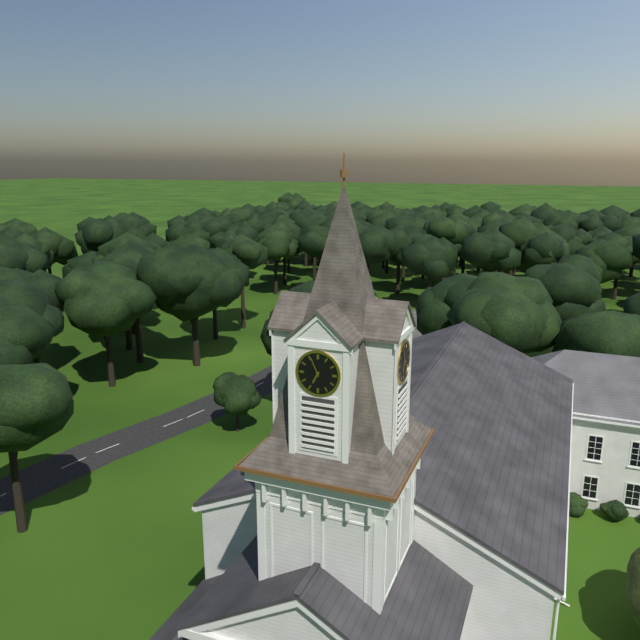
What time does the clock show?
6:56
